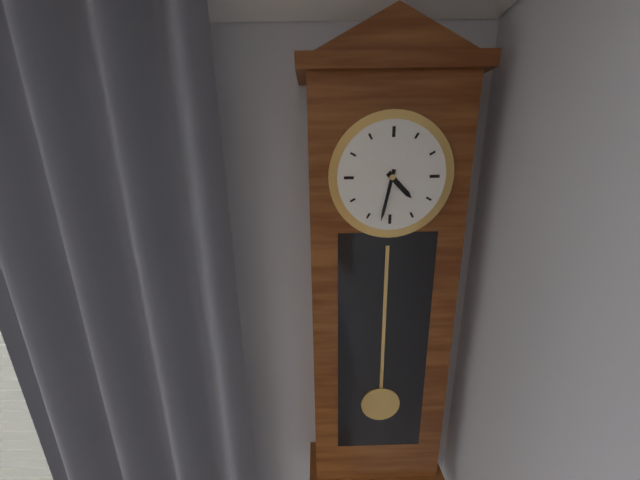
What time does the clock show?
4:32
